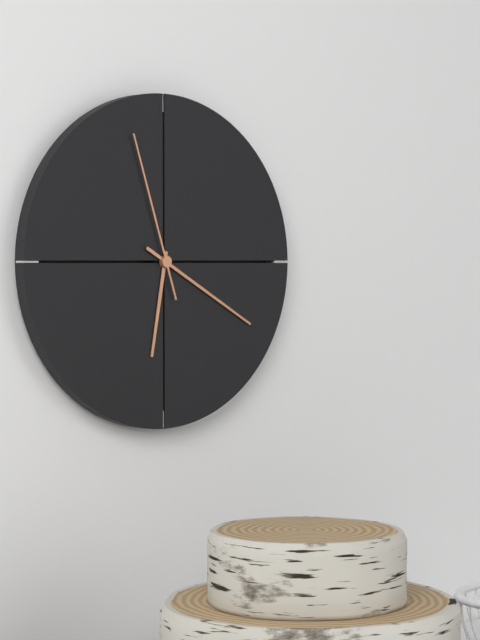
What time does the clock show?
6:20:57
